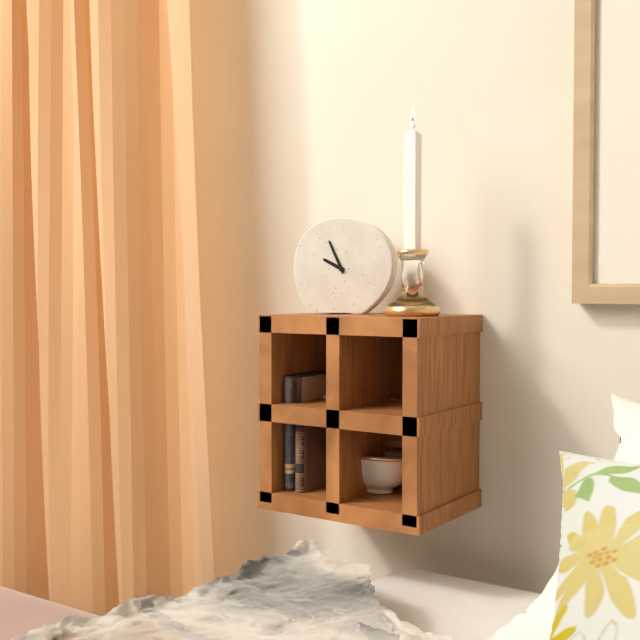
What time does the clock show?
9:56
